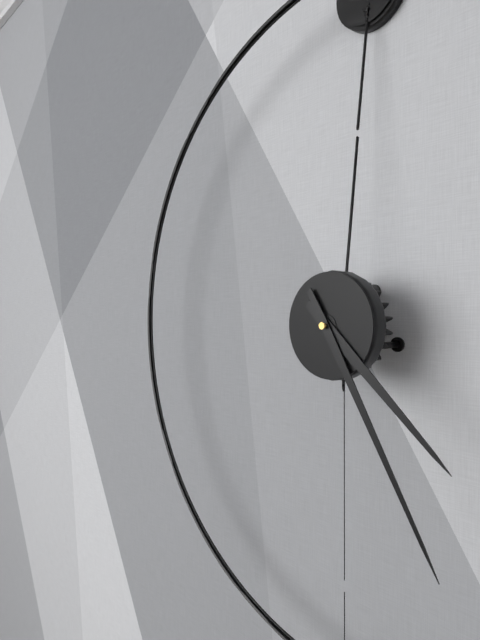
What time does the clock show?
4:25
